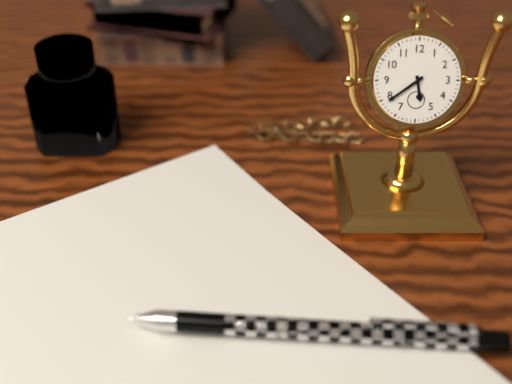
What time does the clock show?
5:39
